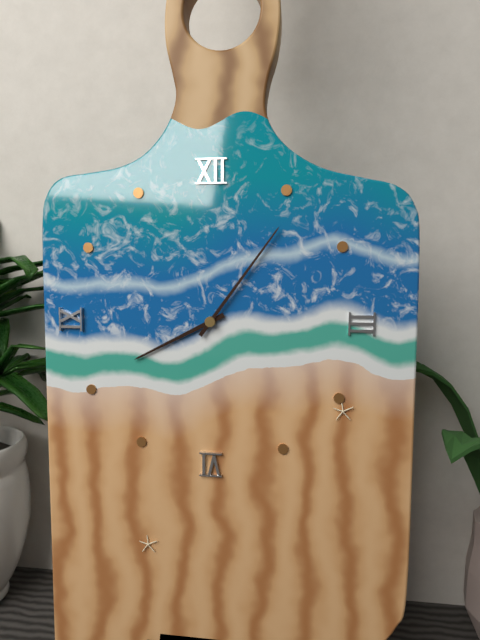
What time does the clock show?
8:06
